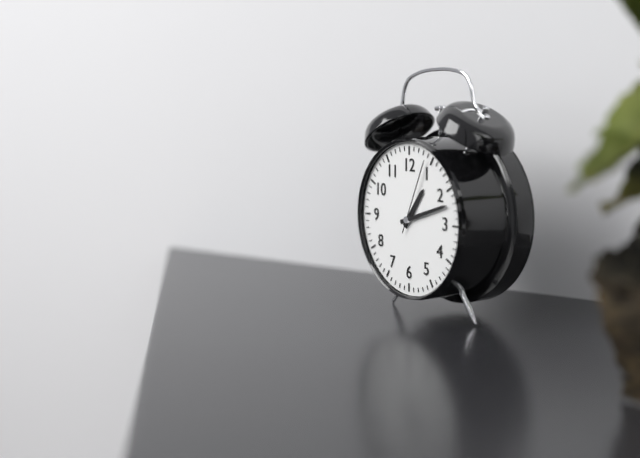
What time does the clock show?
1:12:04
